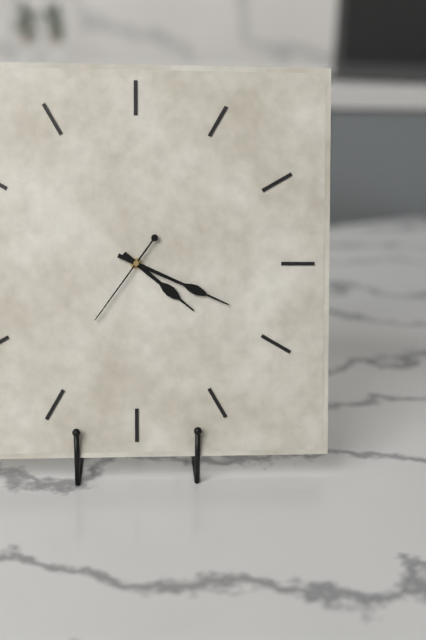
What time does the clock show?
4:19:36
